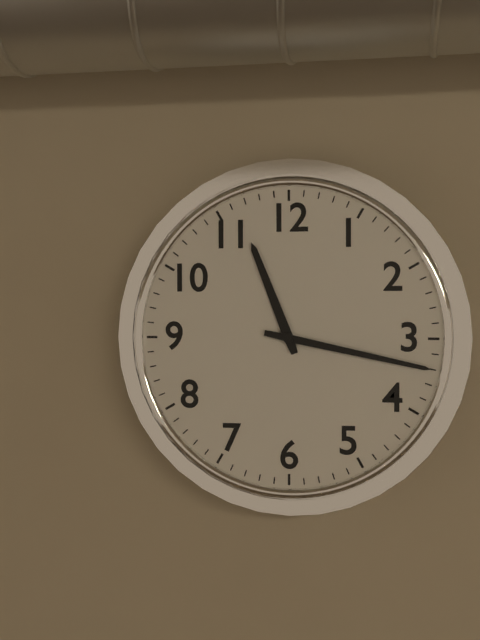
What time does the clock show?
11:17
